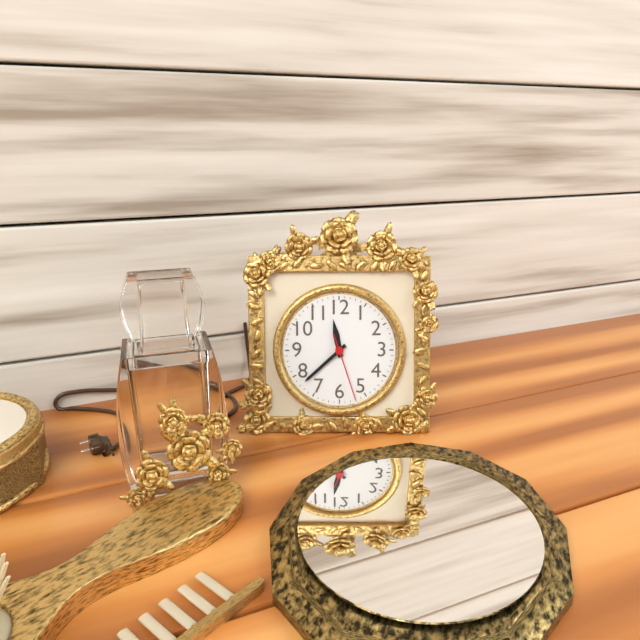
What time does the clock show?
11:38:27
